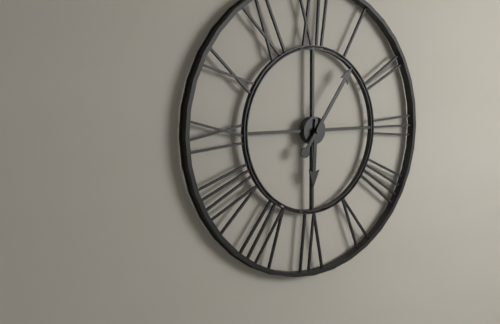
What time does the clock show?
6:06
